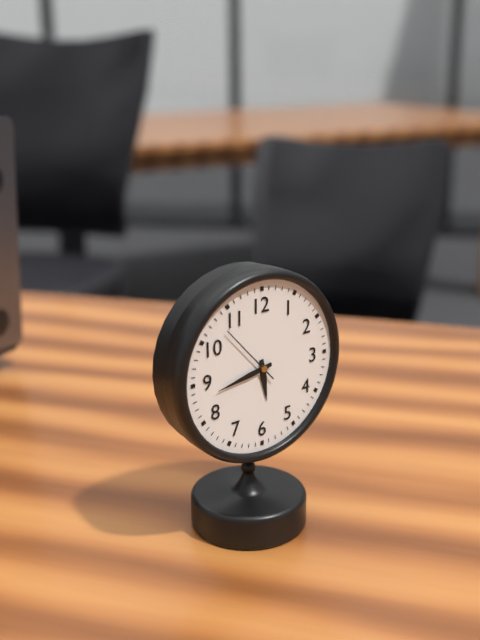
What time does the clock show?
5:43:53
